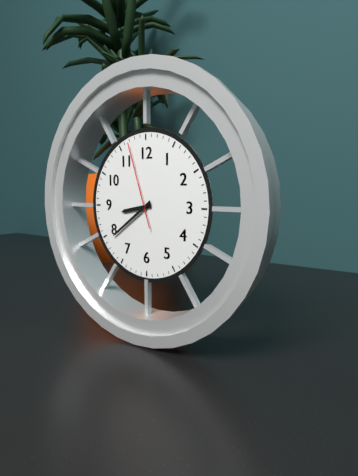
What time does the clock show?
8:39:57
